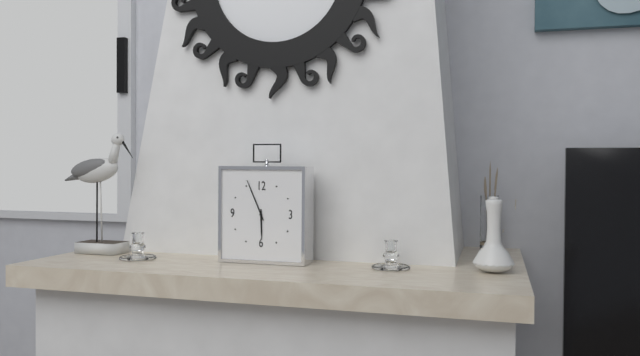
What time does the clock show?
5:56
